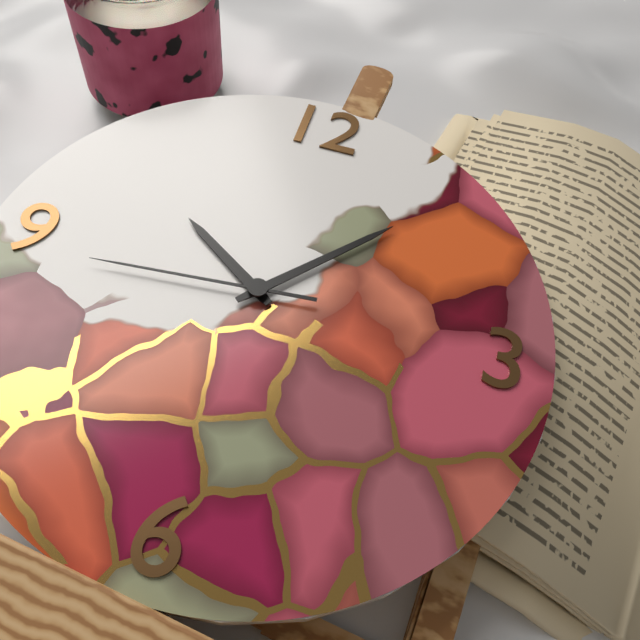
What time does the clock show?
10:07:44
